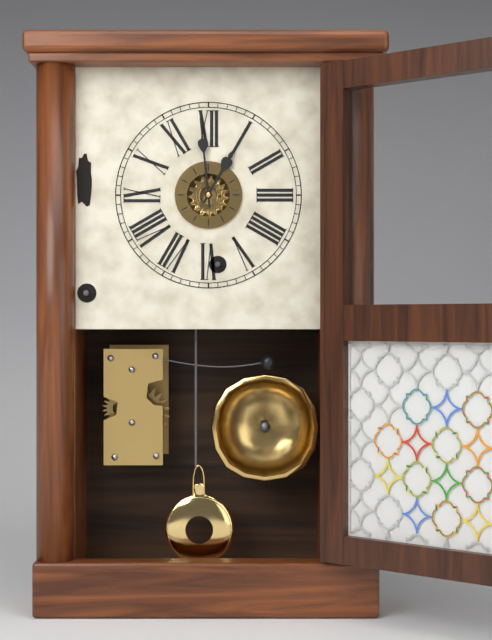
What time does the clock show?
12:59
